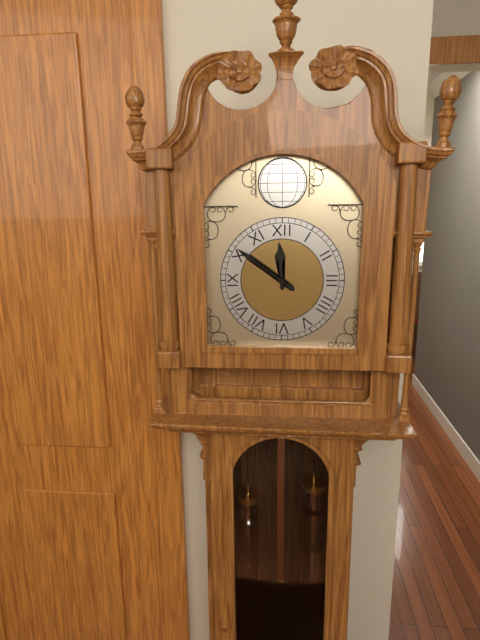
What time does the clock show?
11:51
